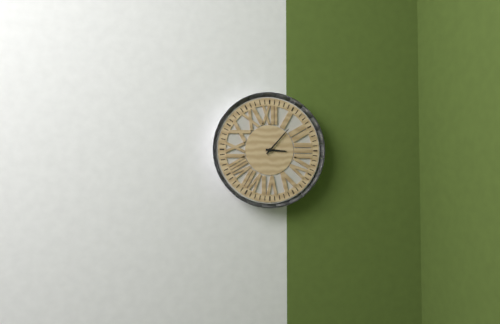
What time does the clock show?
3:07
